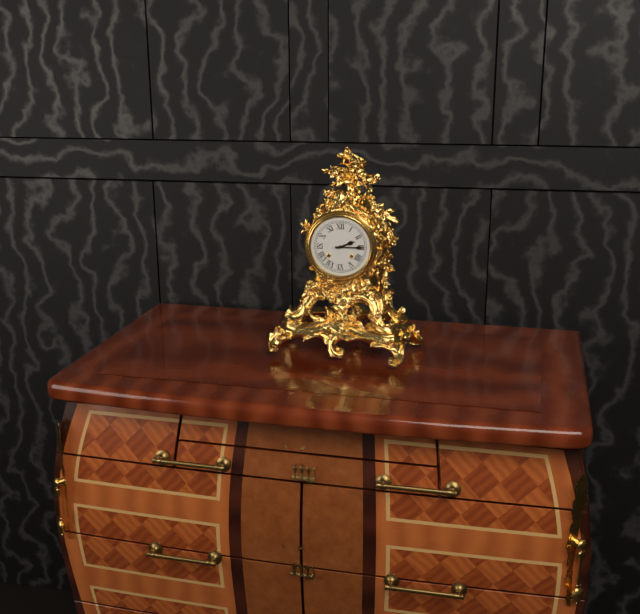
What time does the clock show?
2:15
